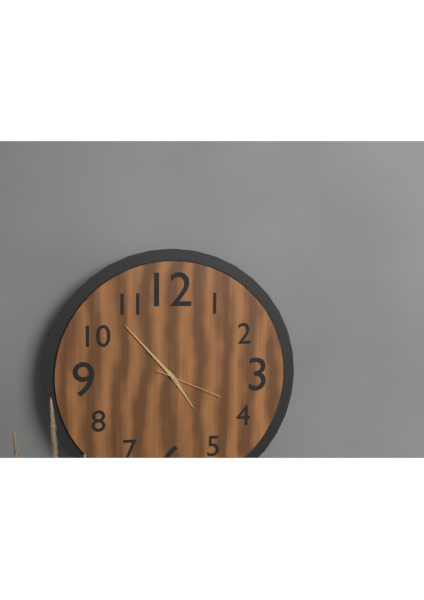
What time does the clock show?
4:53:19
